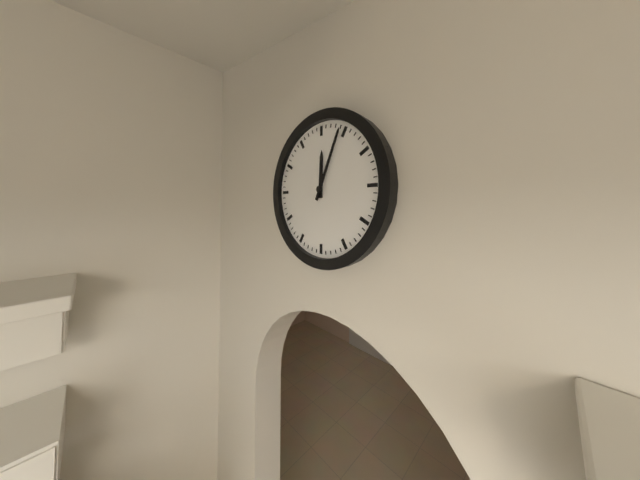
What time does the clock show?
12:04
